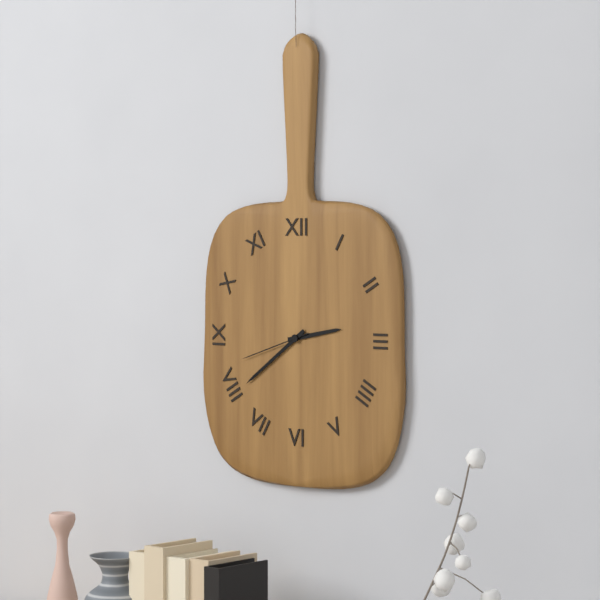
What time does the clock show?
2:39:42
